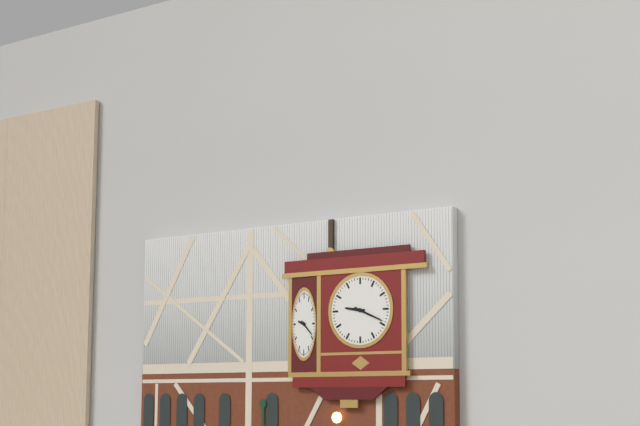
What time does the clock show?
9:19
